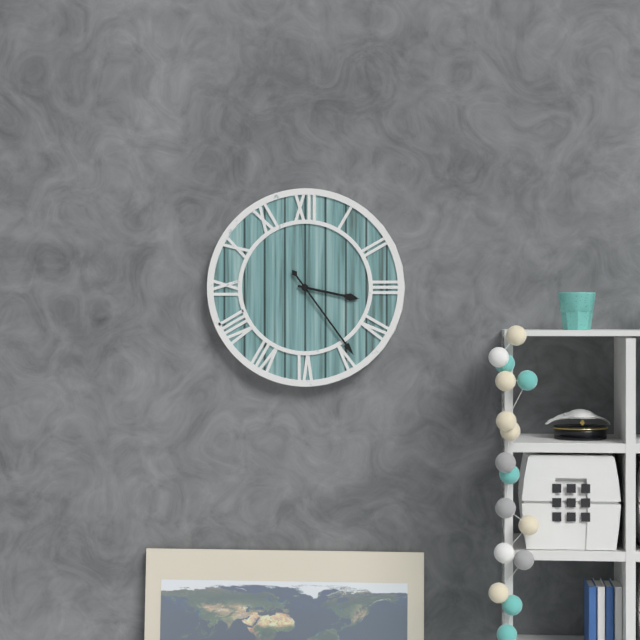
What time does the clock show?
3:24
